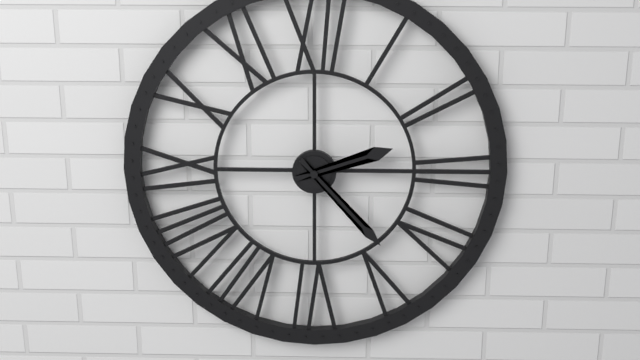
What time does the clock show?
2:23
